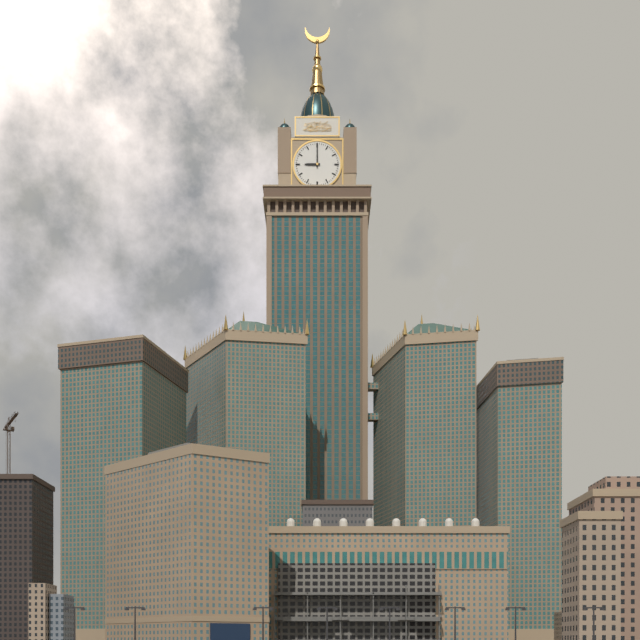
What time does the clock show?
9:00
